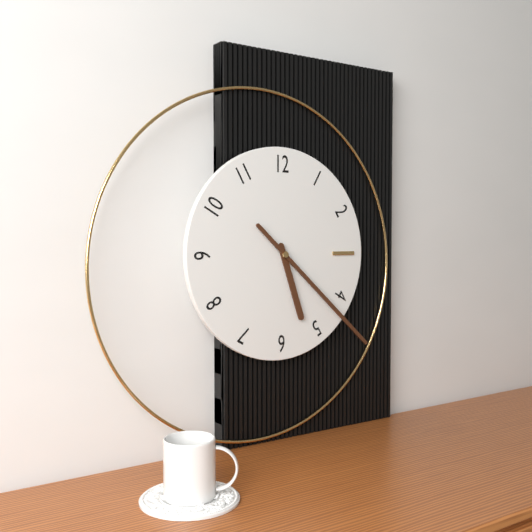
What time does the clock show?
5:22
